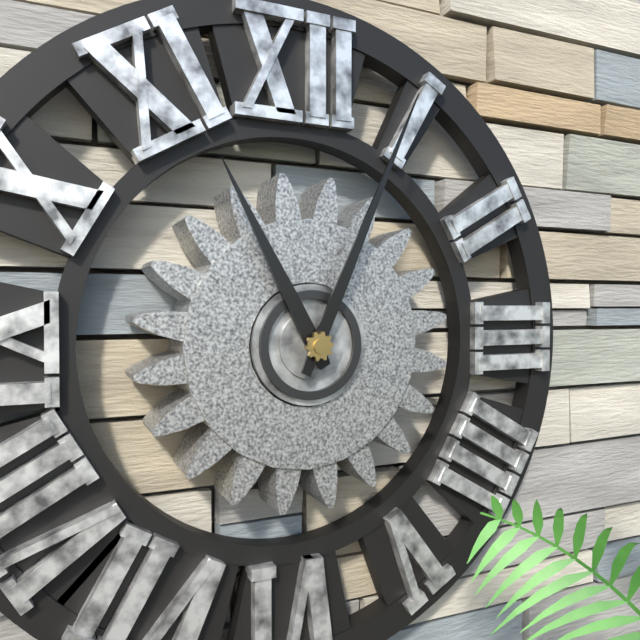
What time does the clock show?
11:04
